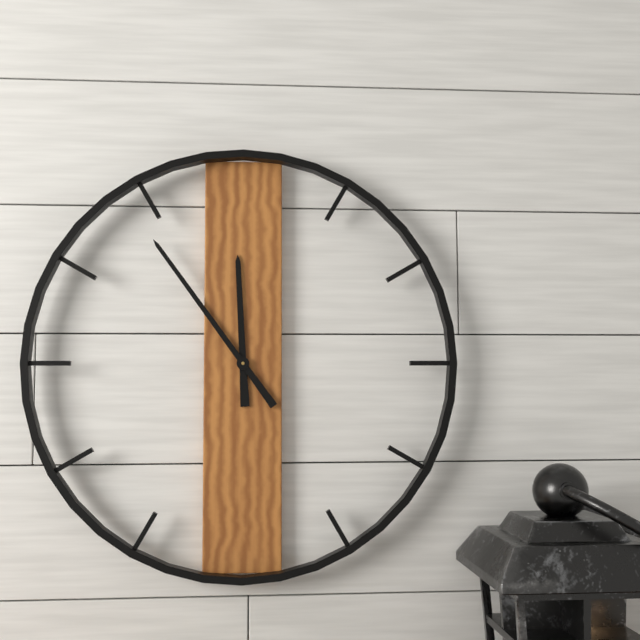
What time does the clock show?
11:54
